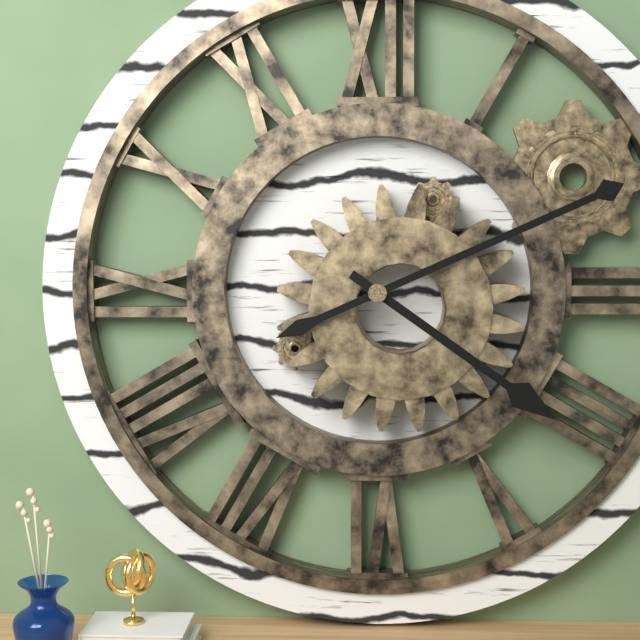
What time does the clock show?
4:11
